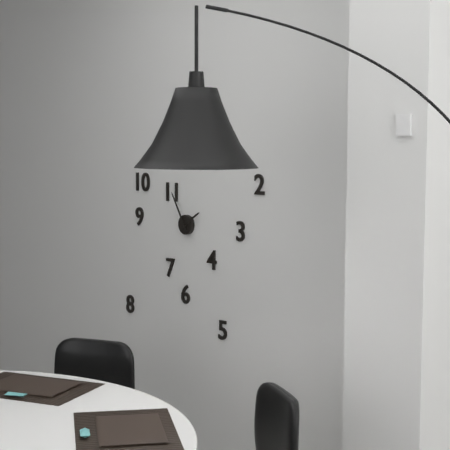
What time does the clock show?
1:55
